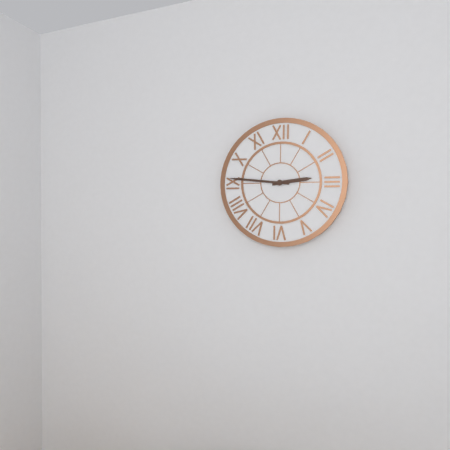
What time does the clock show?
2:46
